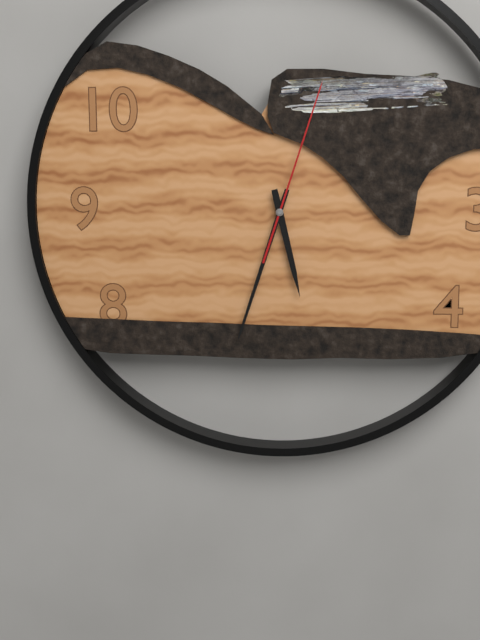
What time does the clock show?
5:33:03
